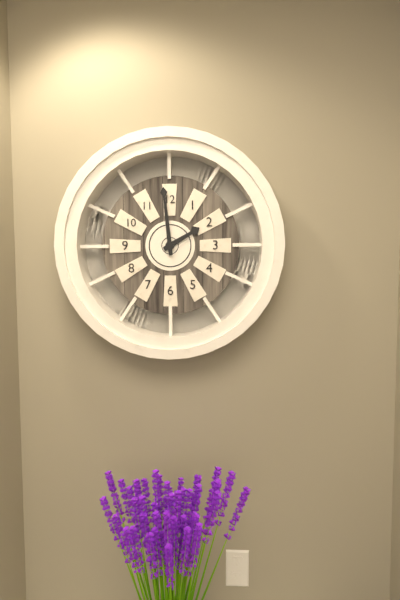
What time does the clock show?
1:59
